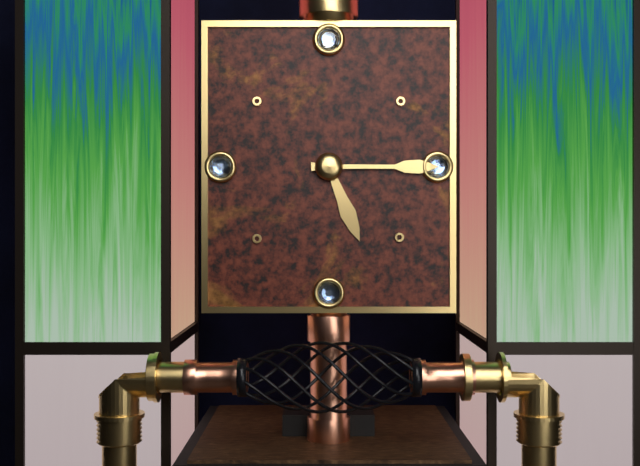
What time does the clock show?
5:15
